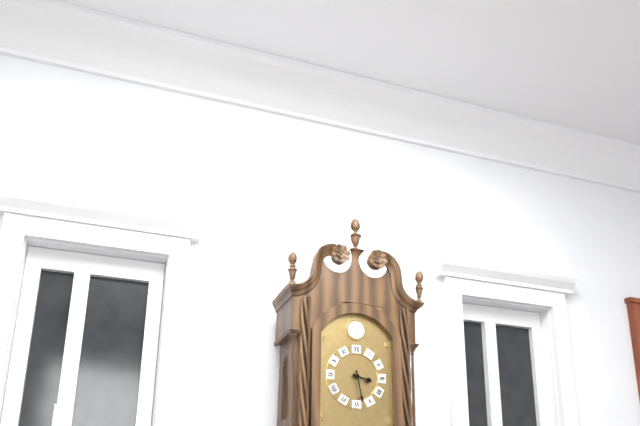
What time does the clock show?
3:28
